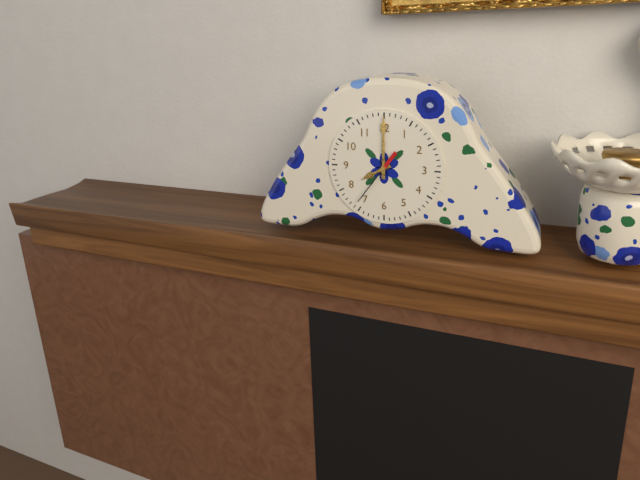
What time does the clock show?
8:00:36
